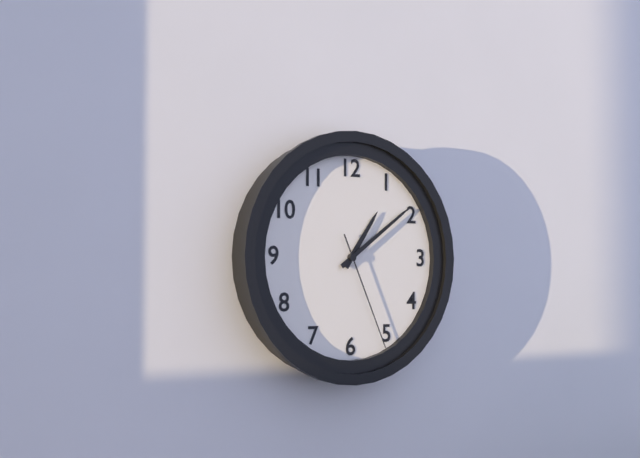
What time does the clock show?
1:09:26
